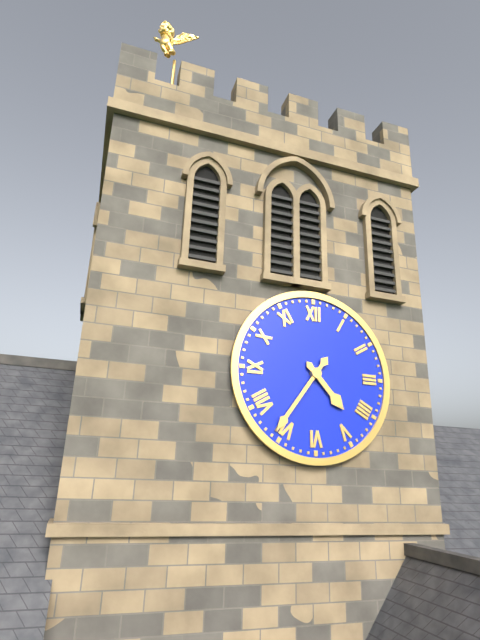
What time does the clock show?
4:36
